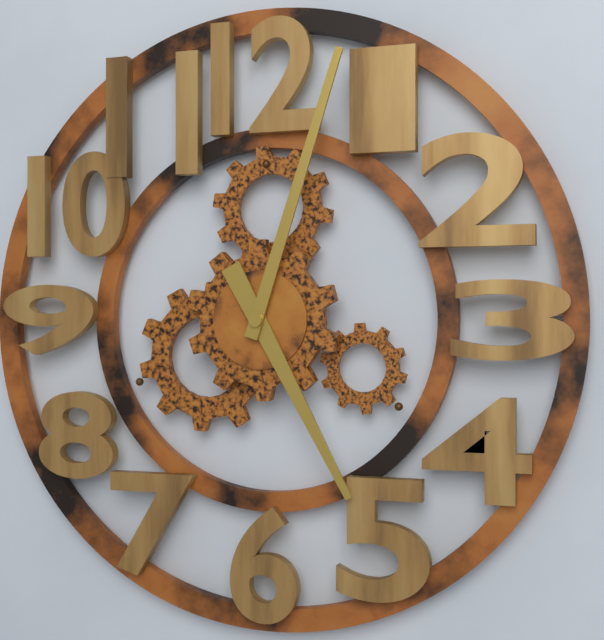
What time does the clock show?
5:03
